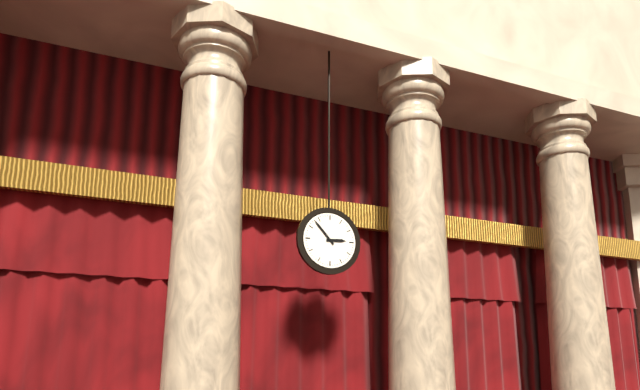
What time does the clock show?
2:53
